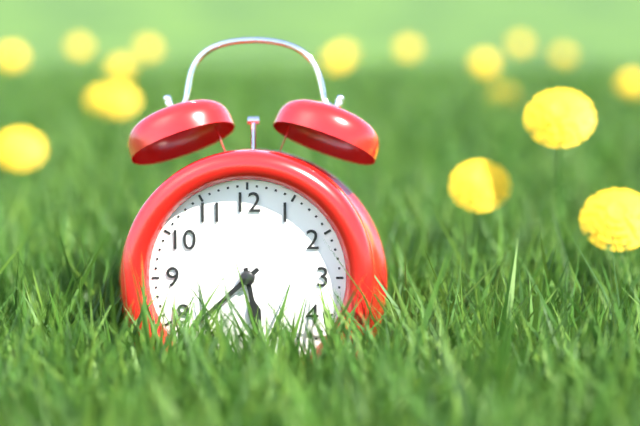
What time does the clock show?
5:38
